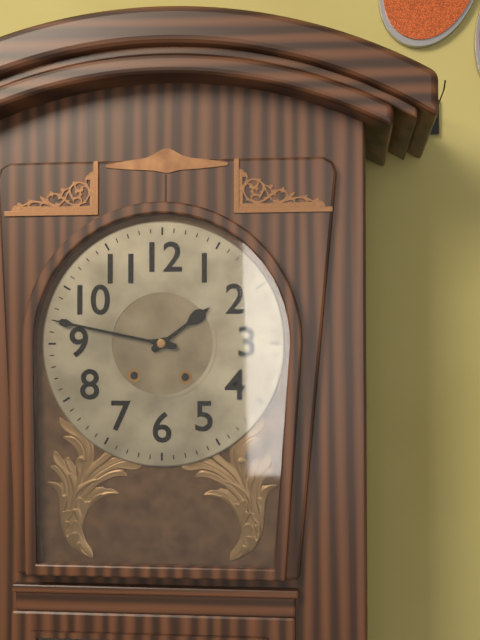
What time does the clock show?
1:47
